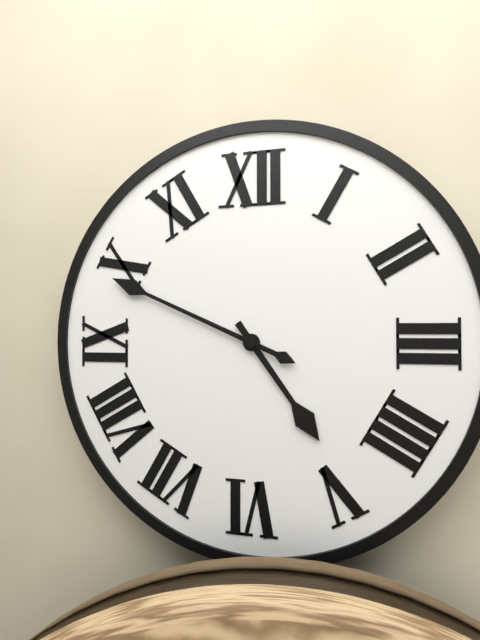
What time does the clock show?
4:49
